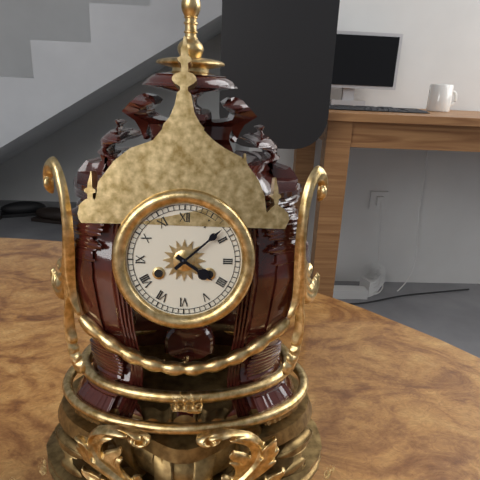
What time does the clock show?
4:08
